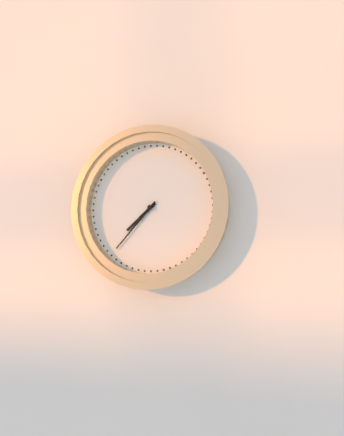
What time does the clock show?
7:37
